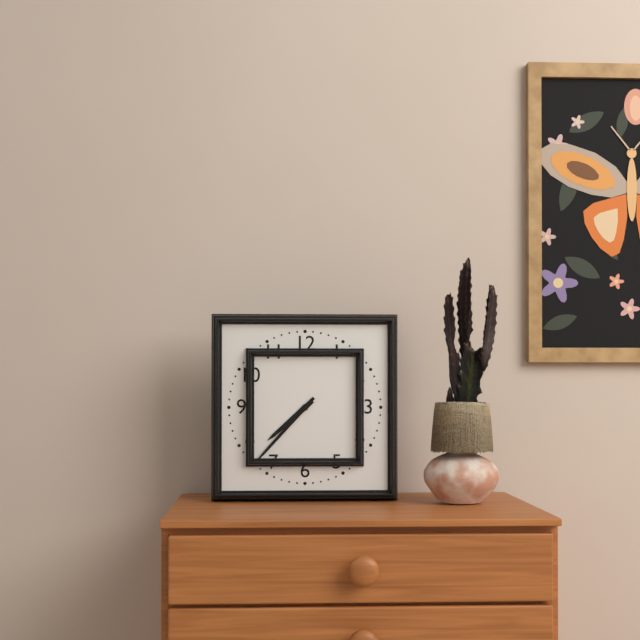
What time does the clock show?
7:37
